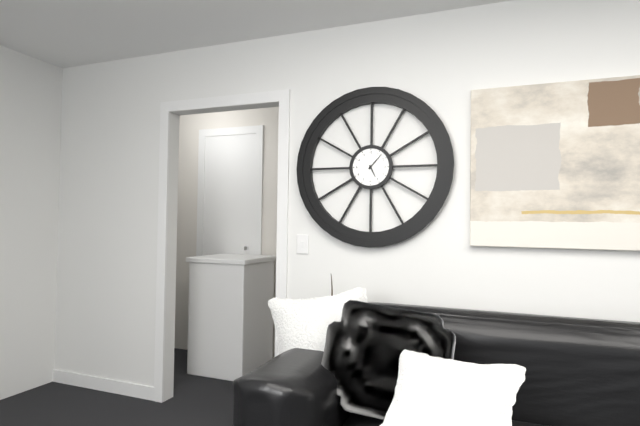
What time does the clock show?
5:07
